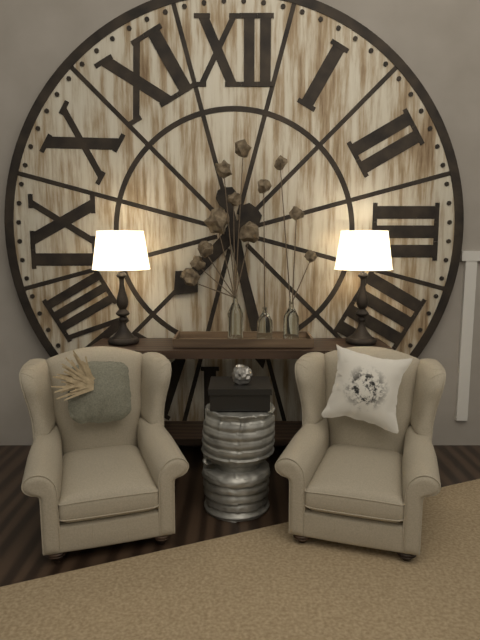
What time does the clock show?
7:28
